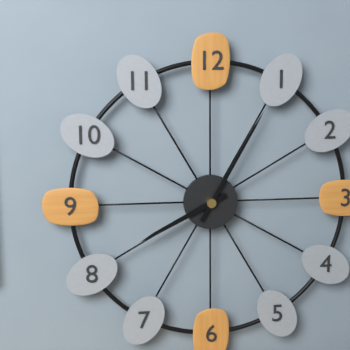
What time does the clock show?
8:05
